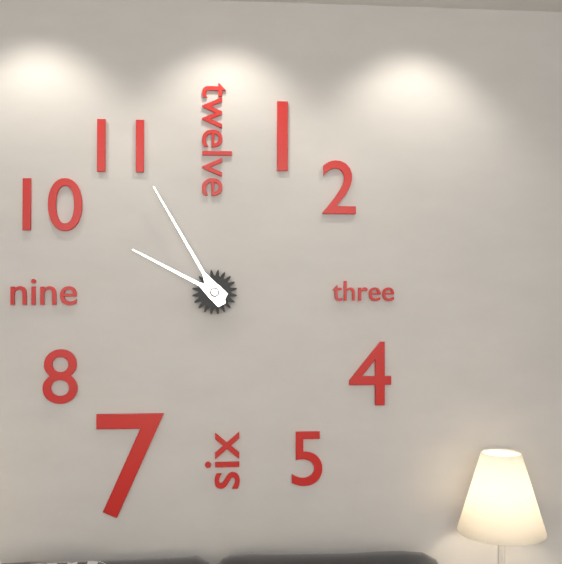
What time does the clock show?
9:55
